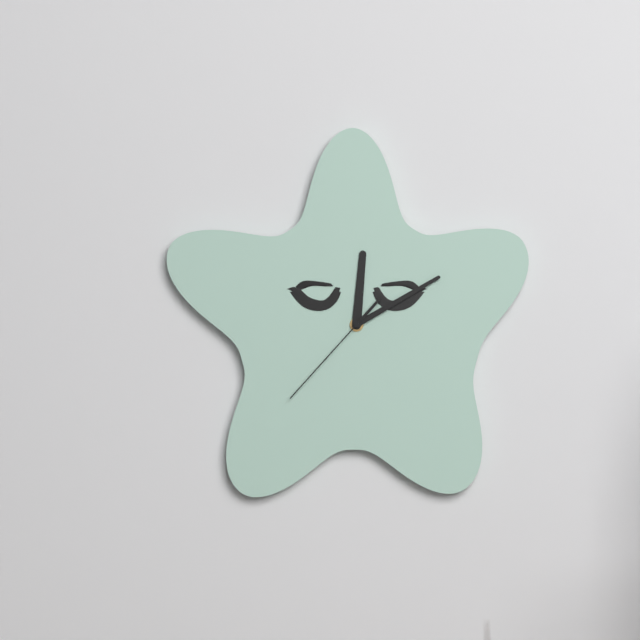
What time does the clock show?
12:10:37
